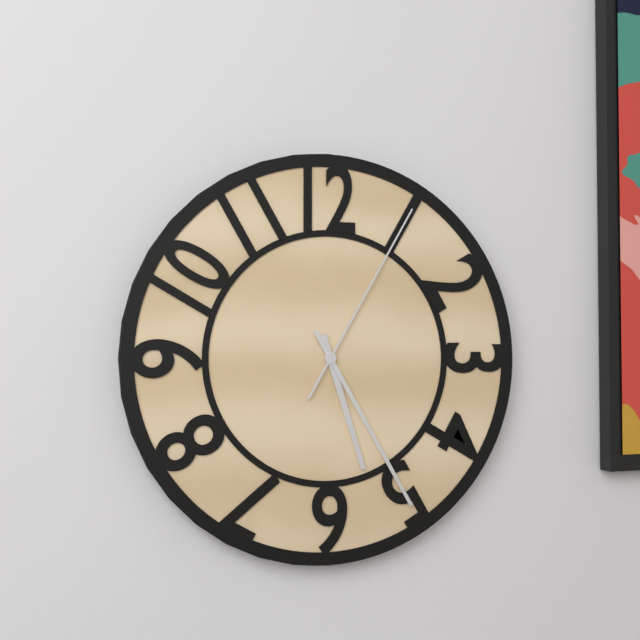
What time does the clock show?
5:25:05
